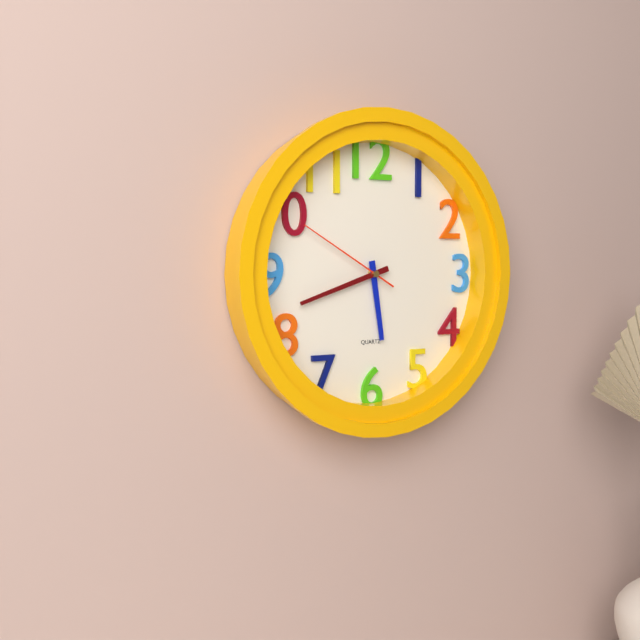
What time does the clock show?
5:42:50
